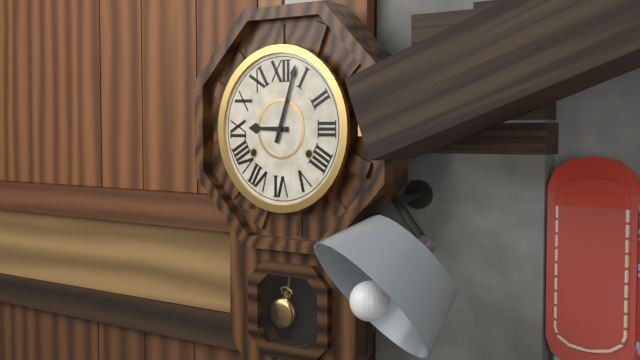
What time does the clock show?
9:03
